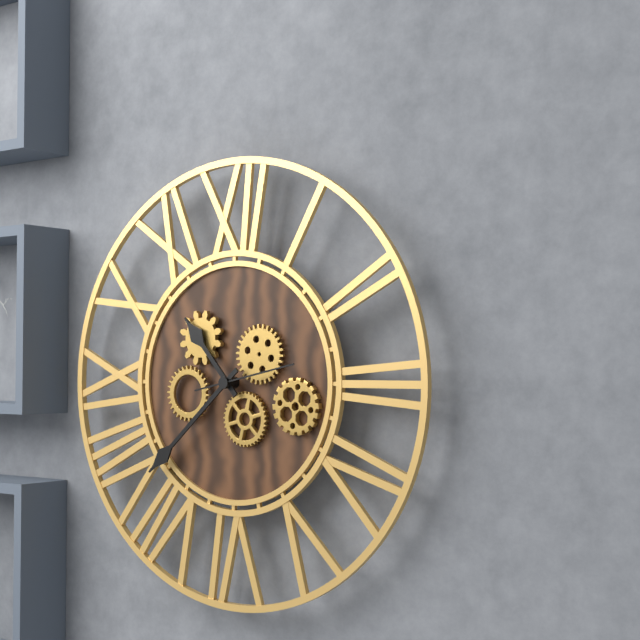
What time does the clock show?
10:38:13
